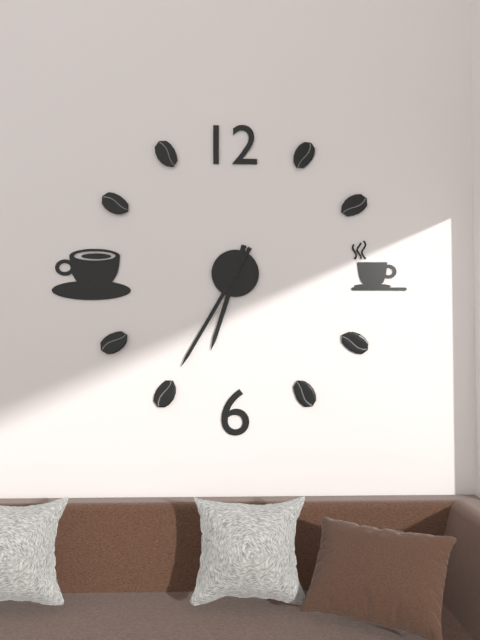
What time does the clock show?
6:35
